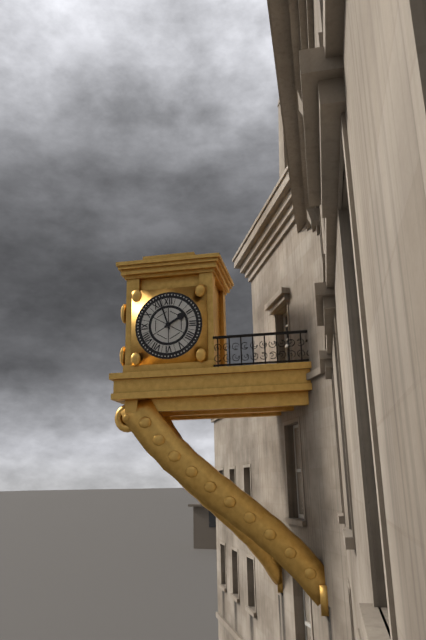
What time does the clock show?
1:57
